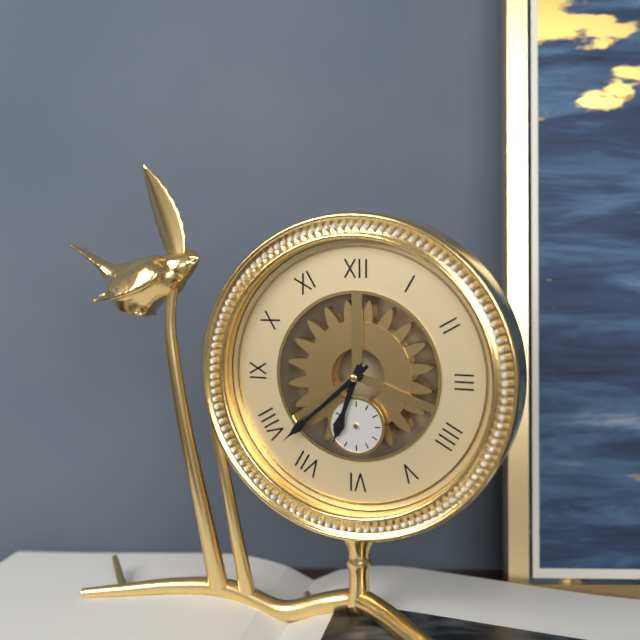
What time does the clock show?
6:38
